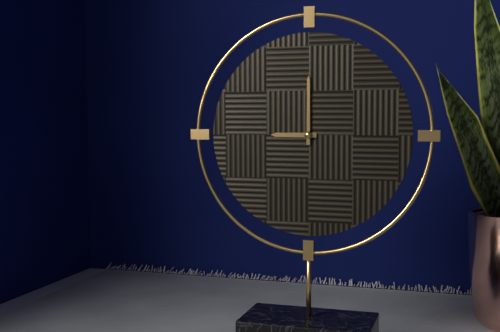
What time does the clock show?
9:00
